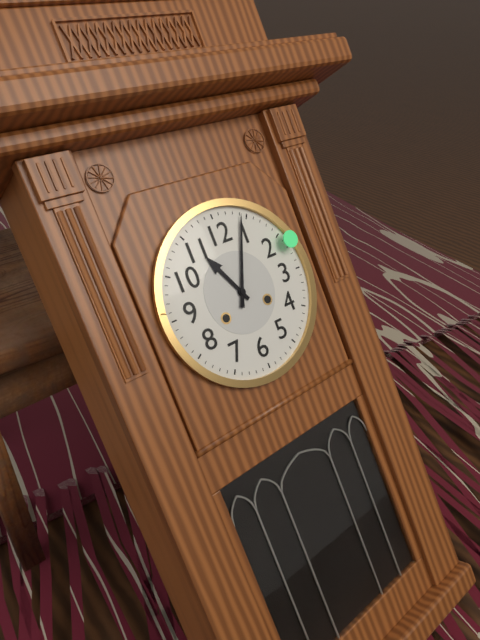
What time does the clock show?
11:04
